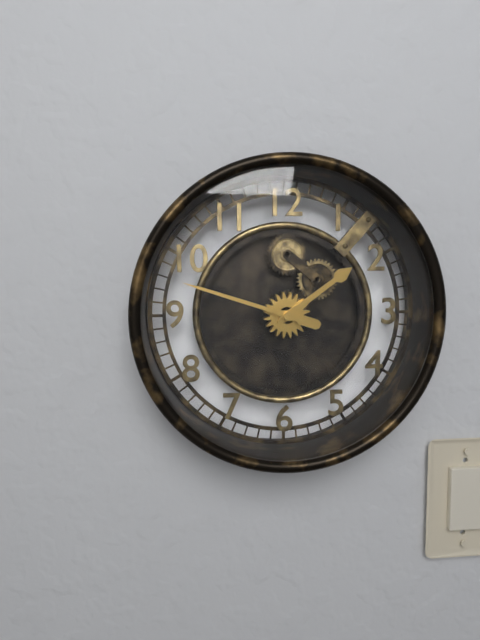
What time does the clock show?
1:48
